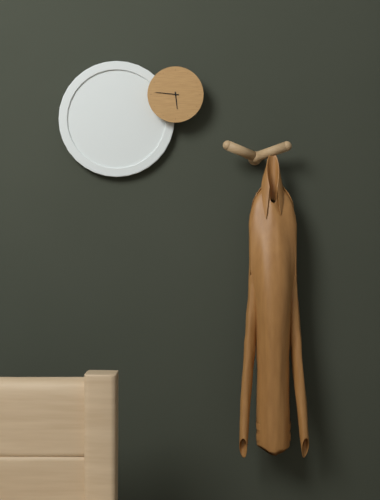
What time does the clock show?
5:46
